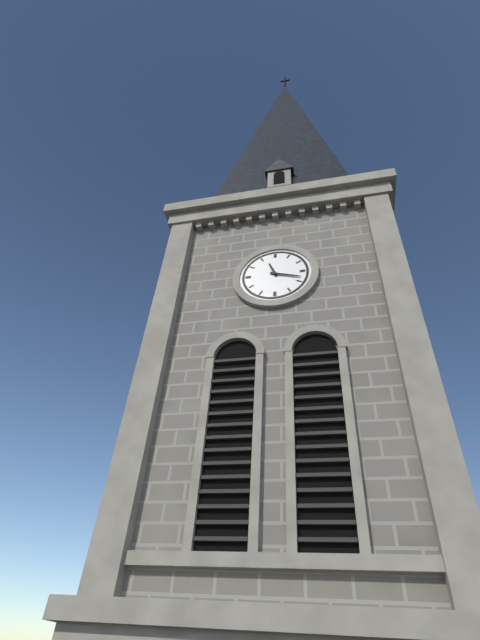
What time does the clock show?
11:18
